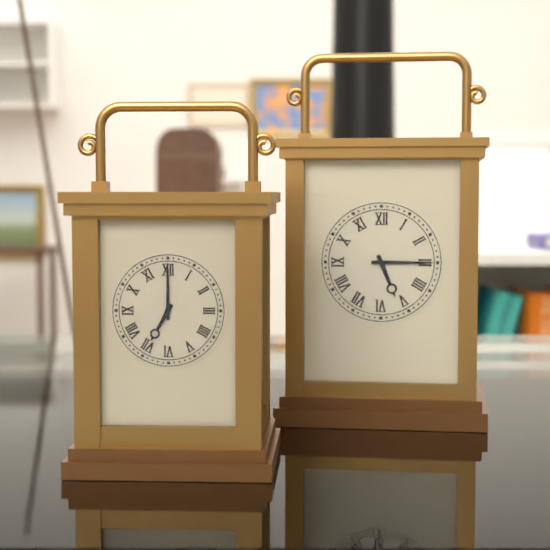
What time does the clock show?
5:15
